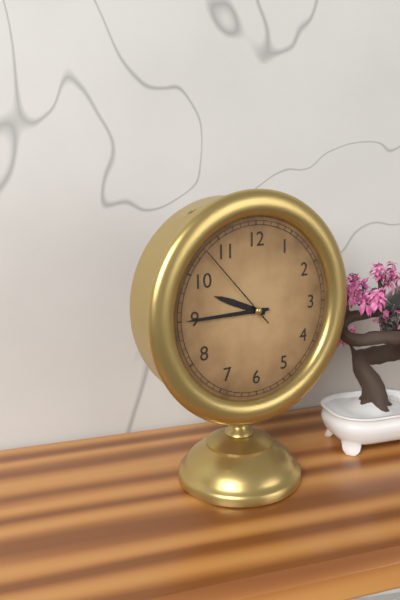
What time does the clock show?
9:45:53
